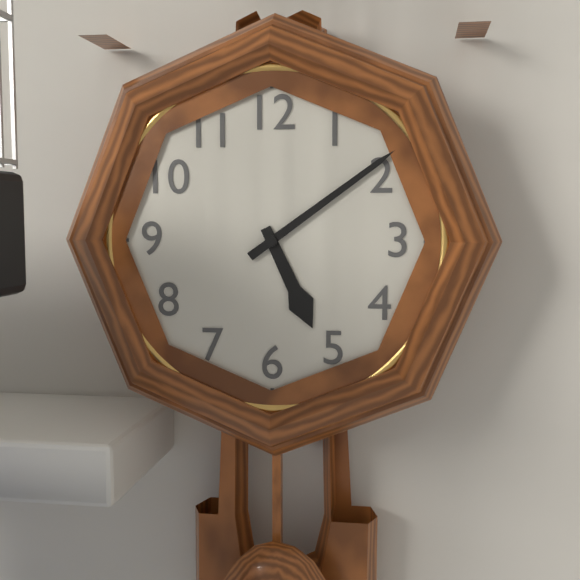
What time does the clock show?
5:09
